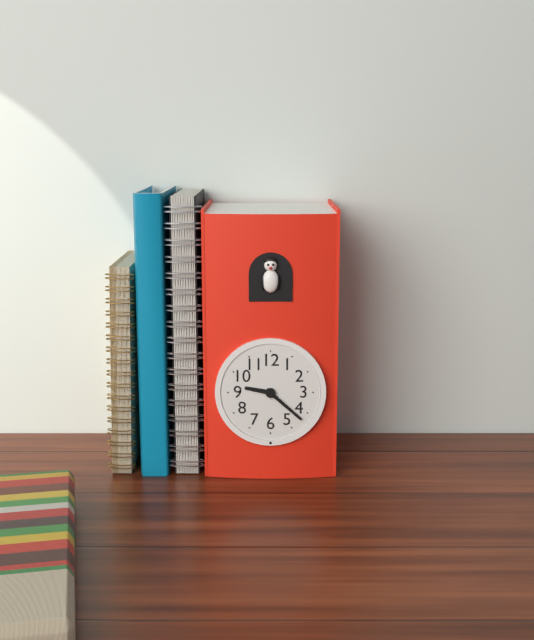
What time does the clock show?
9:22
